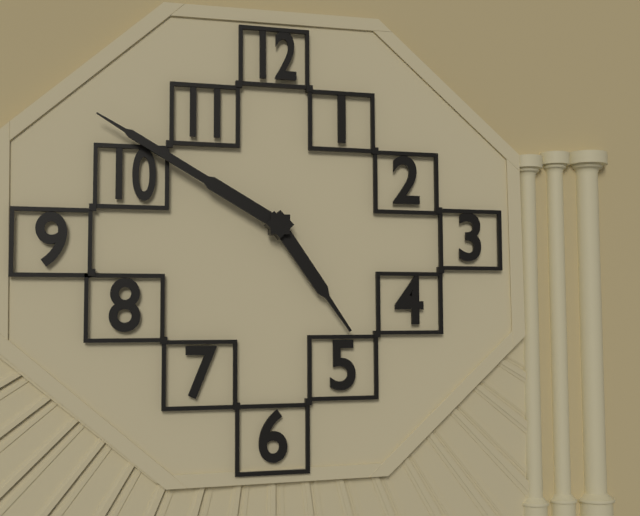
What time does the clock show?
4:50
